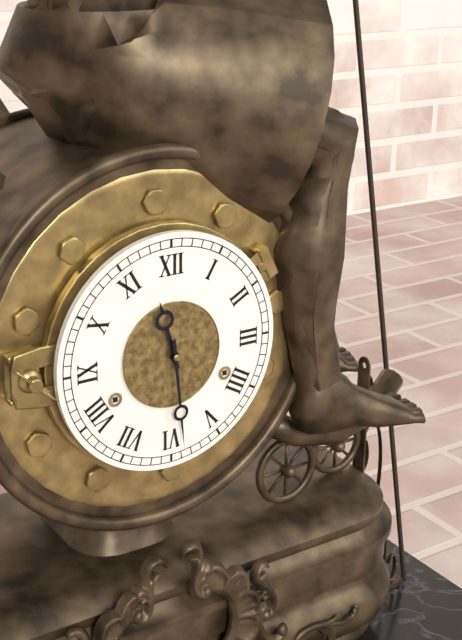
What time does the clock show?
11:29
